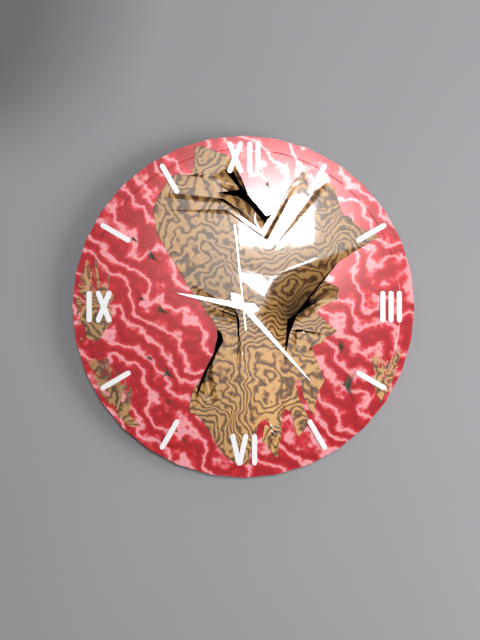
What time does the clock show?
9:23:59
